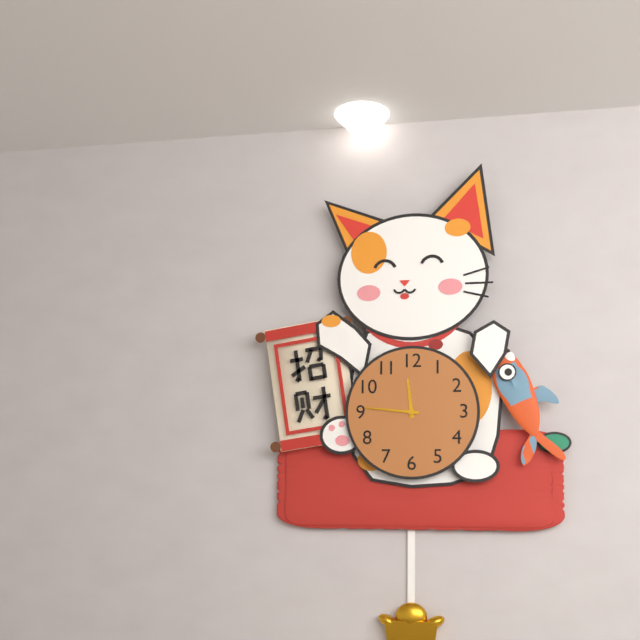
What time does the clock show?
11:46
